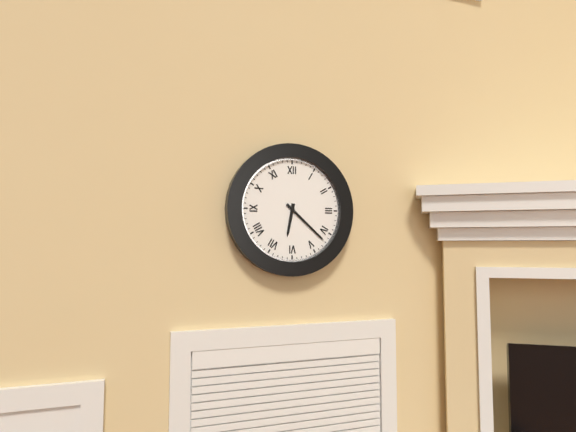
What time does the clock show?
6:22
